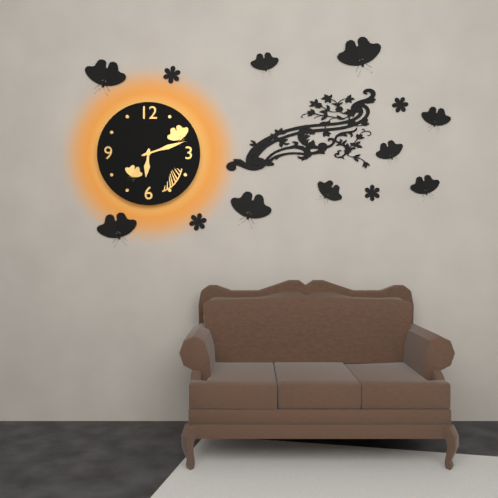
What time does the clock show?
6:12
